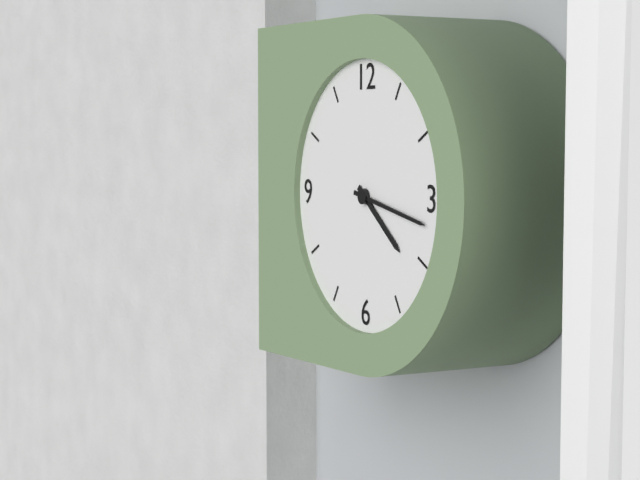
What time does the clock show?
4:17
